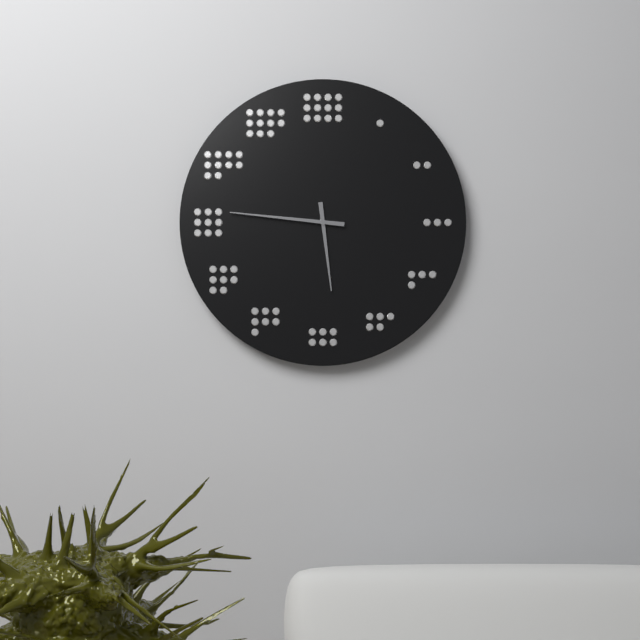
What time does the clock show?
5:46
